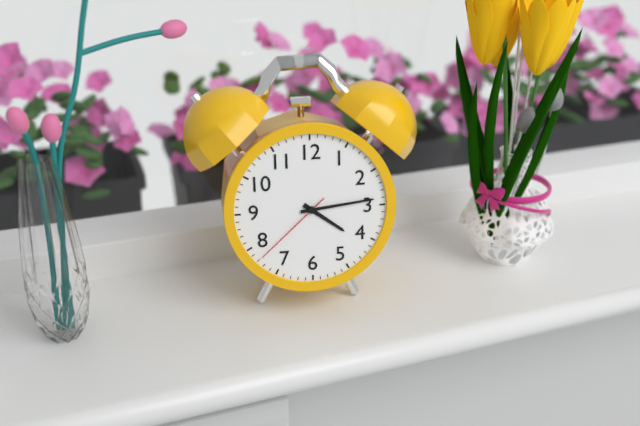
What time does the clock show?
4:14:38
